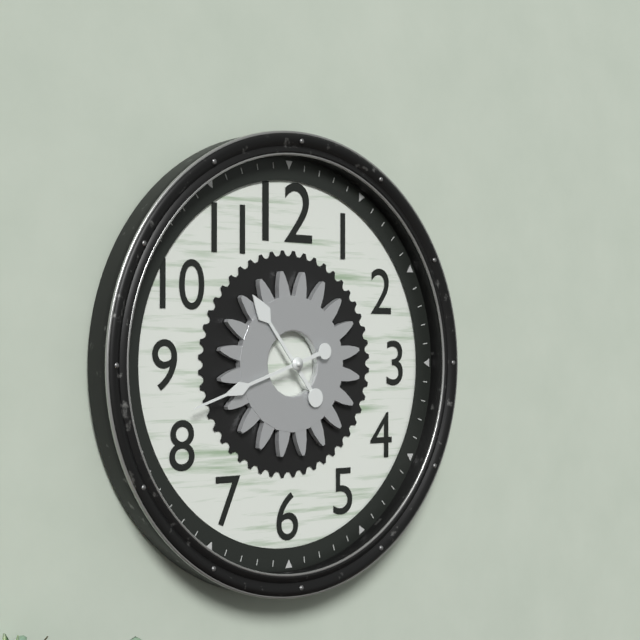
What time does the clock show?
10:42
